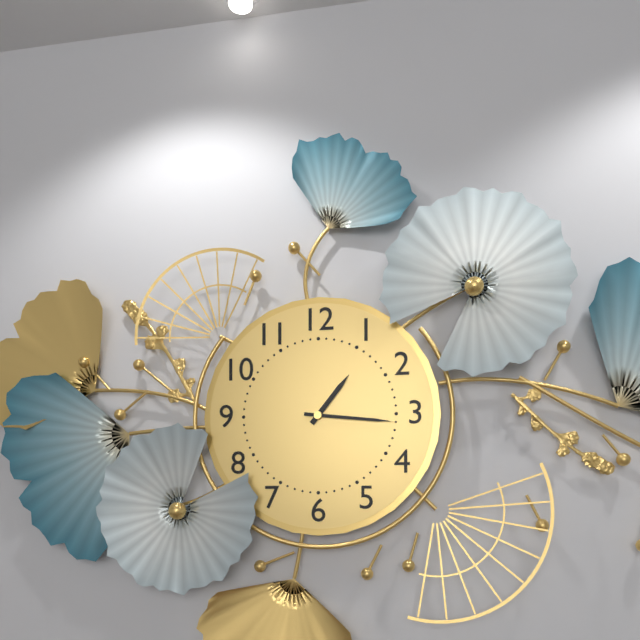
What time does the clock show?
1:16
